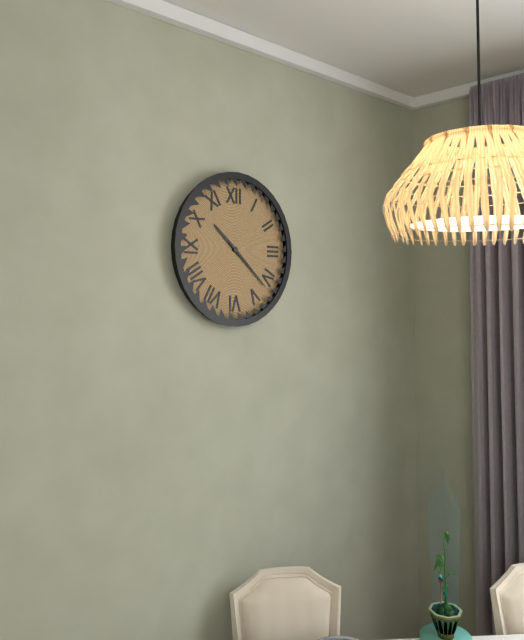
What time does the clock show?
10:22
